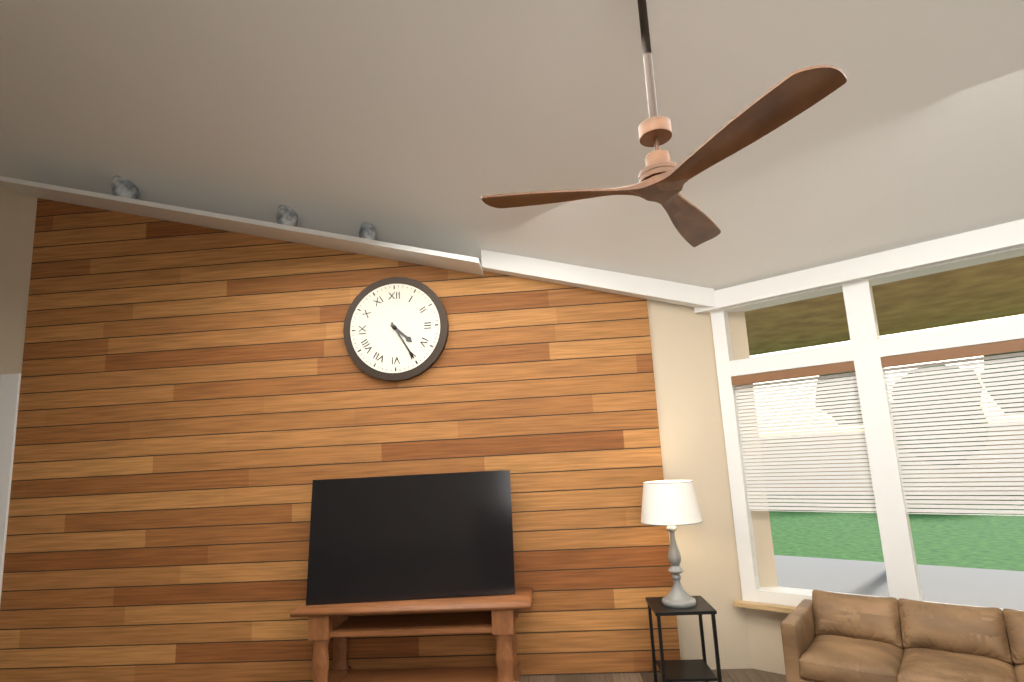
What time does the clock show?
4:25
